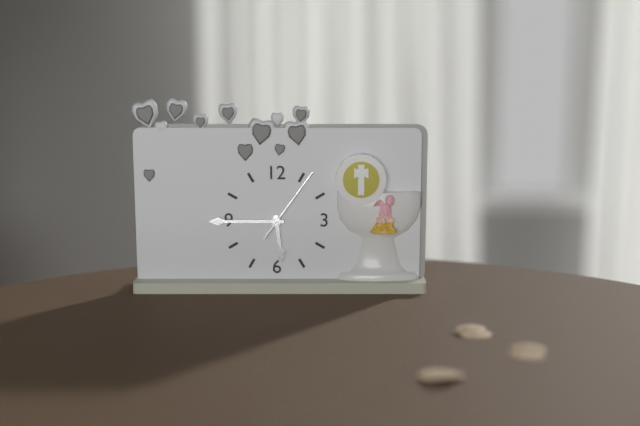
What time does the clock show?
5:45:06
